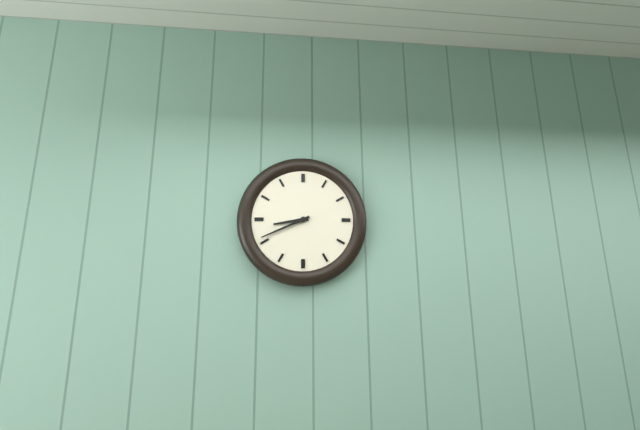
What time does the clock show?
8:41
